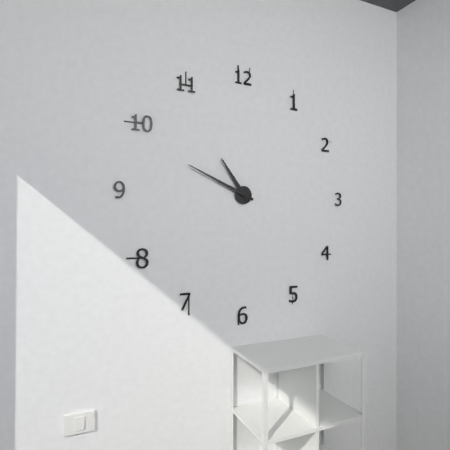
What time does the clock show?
10:49
